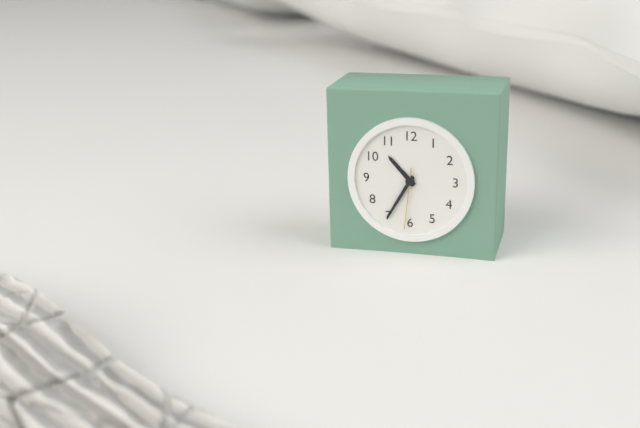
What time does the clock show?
10:35:31
